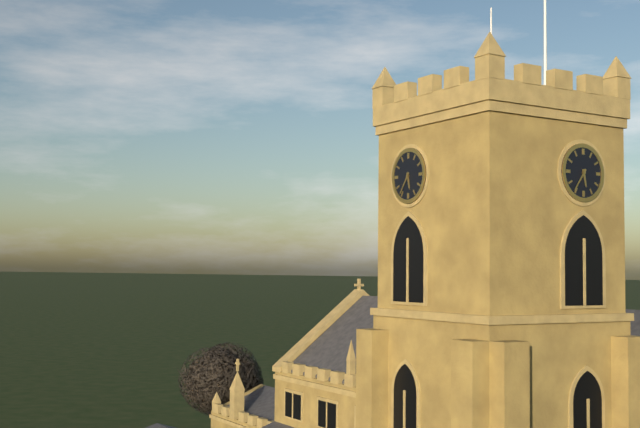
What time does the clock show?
5:36
